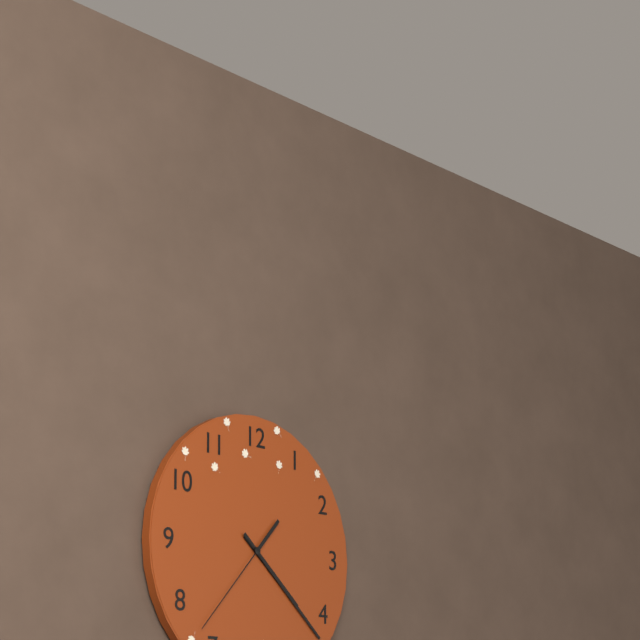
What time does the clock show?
4:22:37
